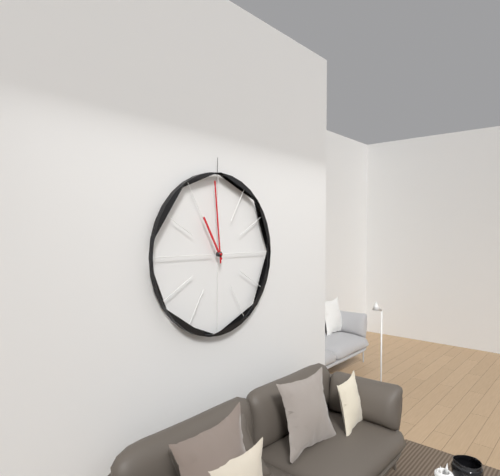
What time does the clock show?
10:59
